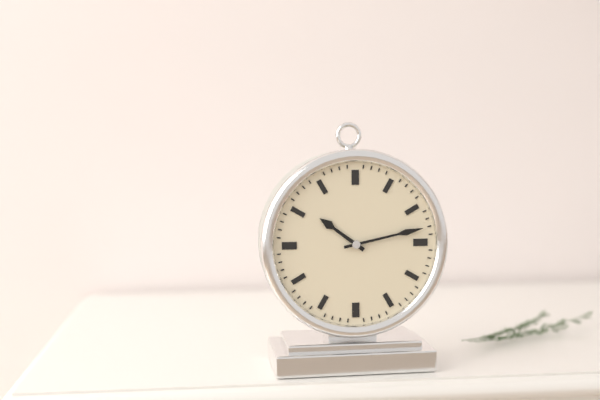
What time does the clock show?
10:13
